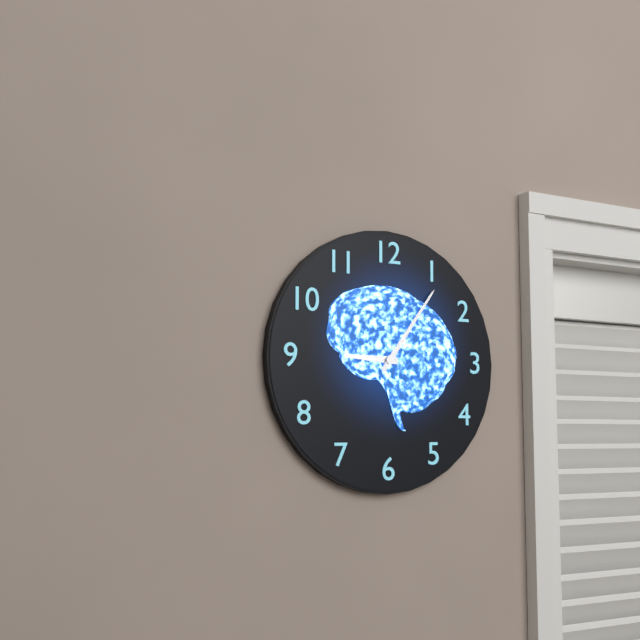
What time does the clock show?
9:06
